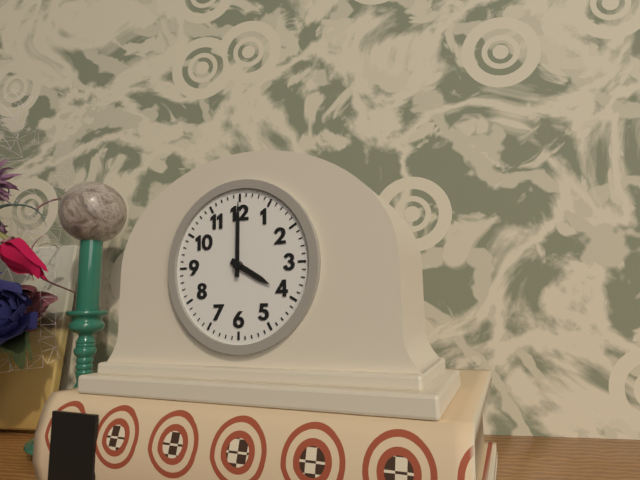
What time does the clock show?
4:00
